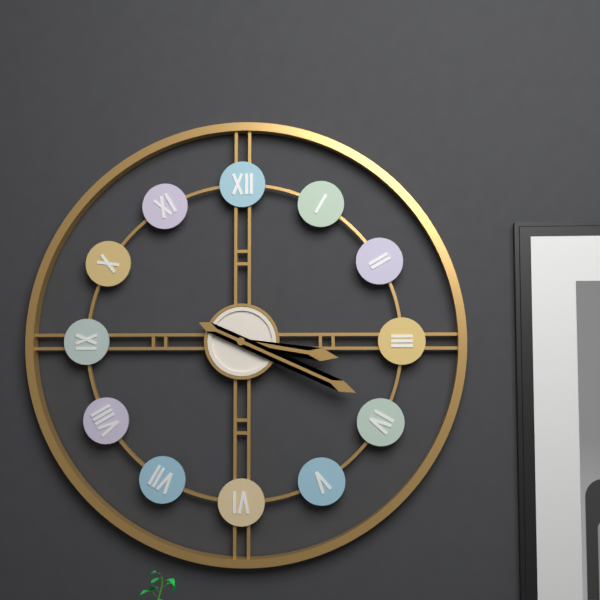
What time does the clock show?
3:19
